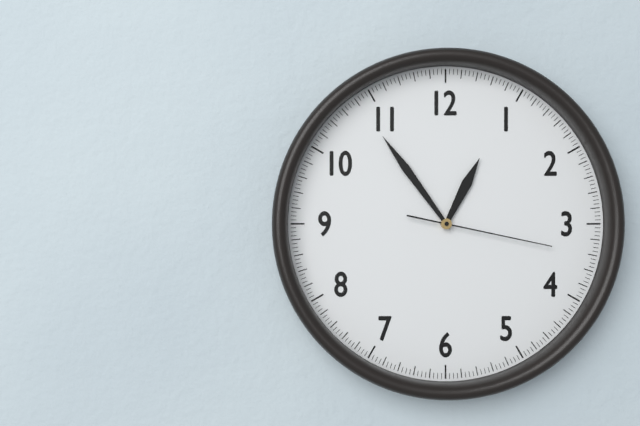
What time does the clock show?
12:54:17
